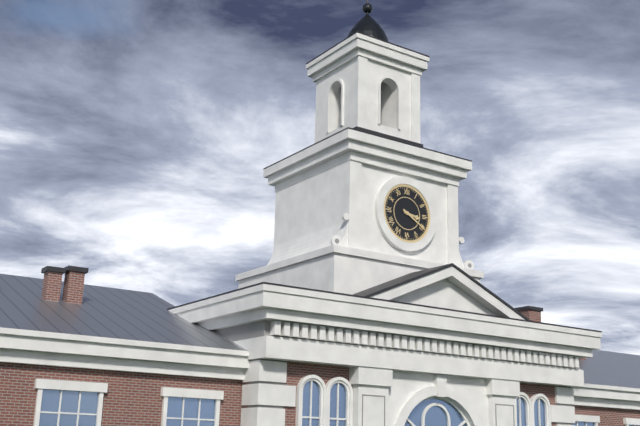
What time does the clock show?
3:20
